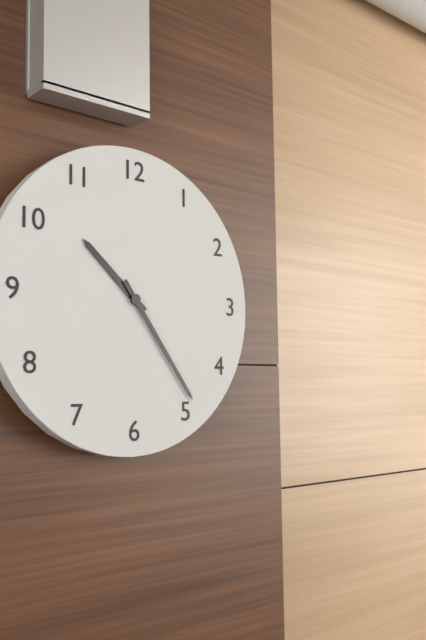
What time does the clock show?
10:24
